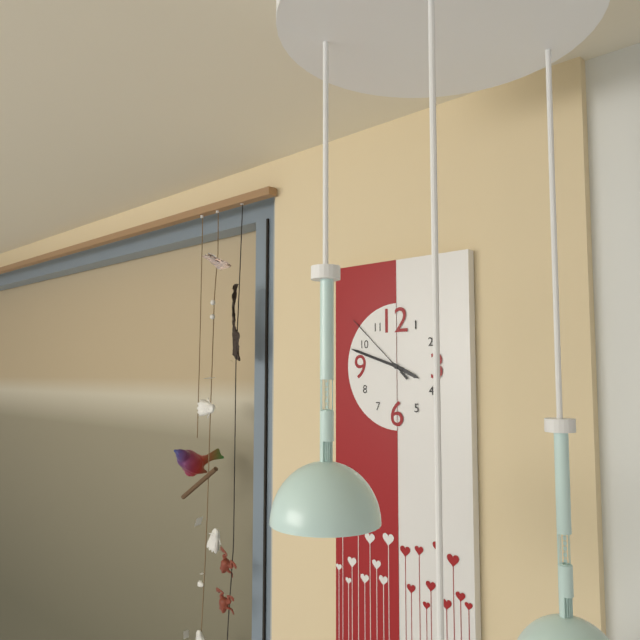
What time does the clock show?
3:48:52
